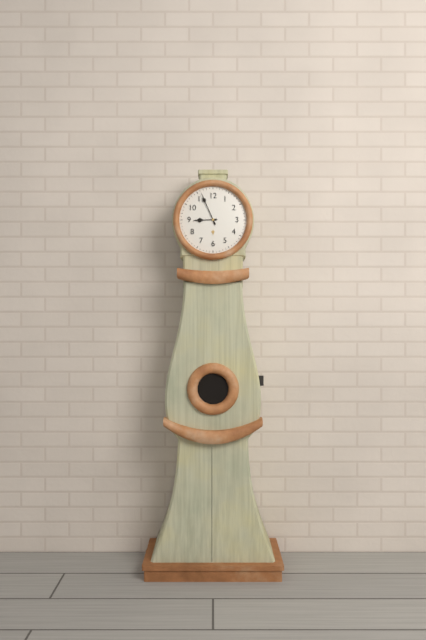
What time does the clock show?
8:56
